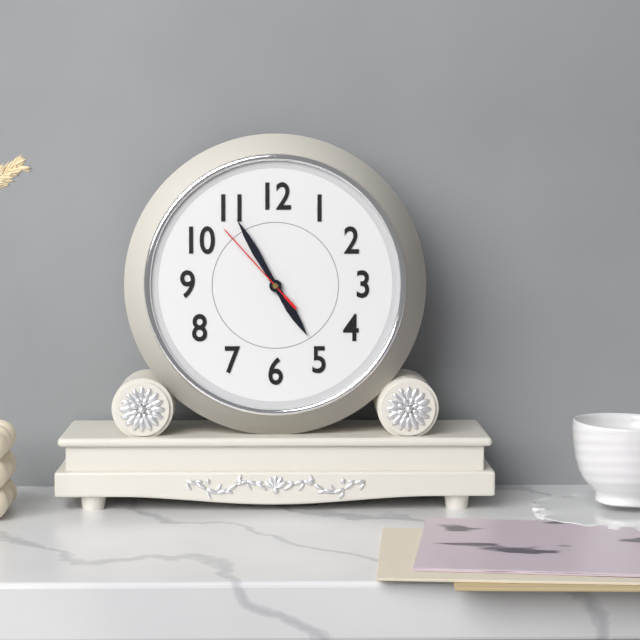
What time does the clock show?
4:55:53
